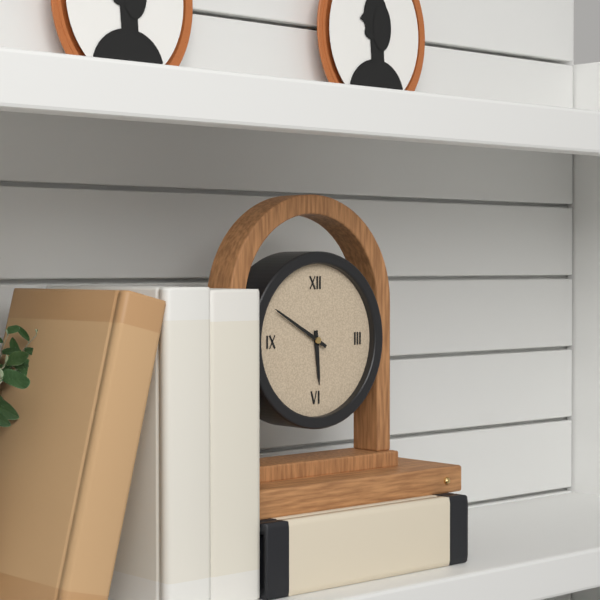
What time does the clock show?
5:50
